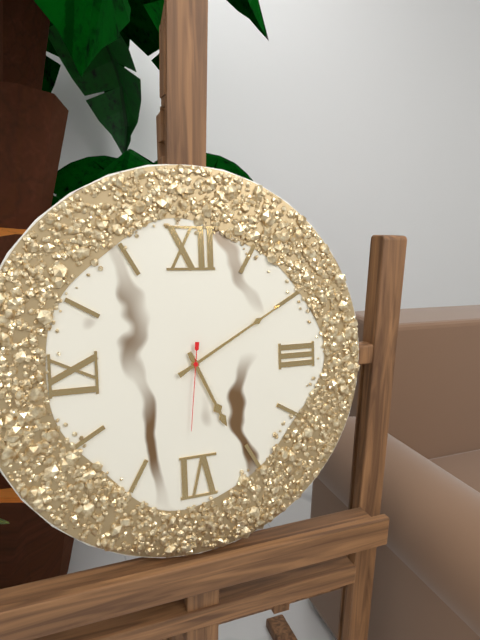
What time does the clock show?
5:10:31
